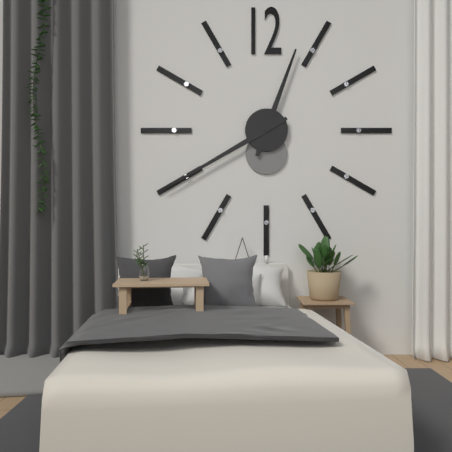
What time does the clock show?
12:40
